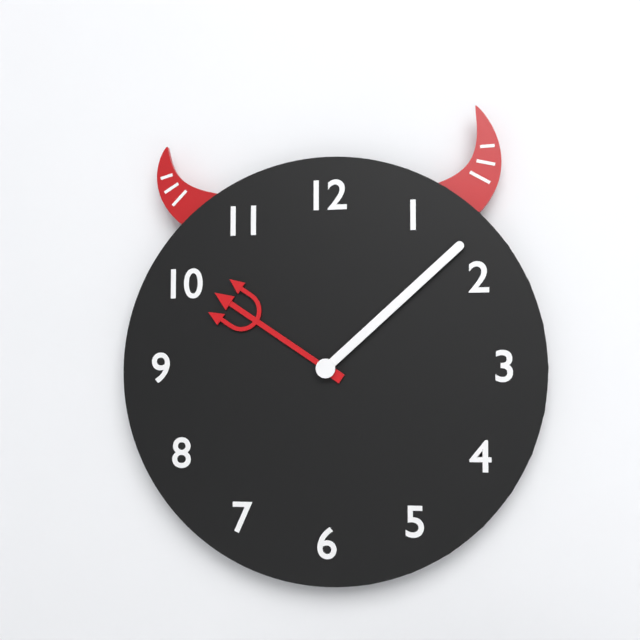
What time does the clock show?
10:08
